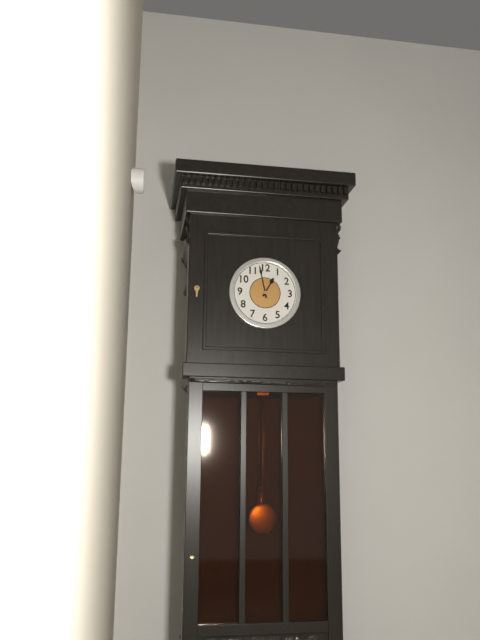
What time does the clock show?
12:58
